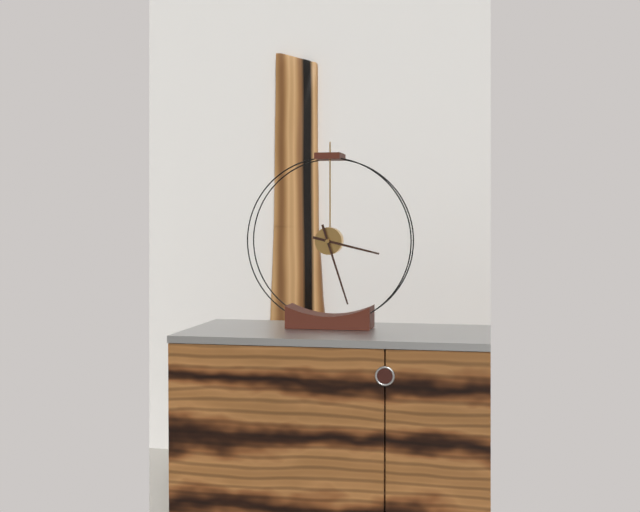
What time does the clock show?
3:27
